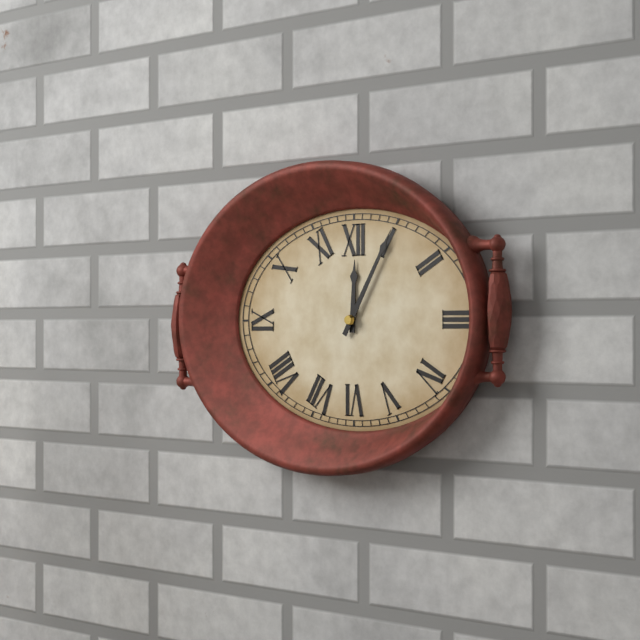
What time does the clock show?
12:05
